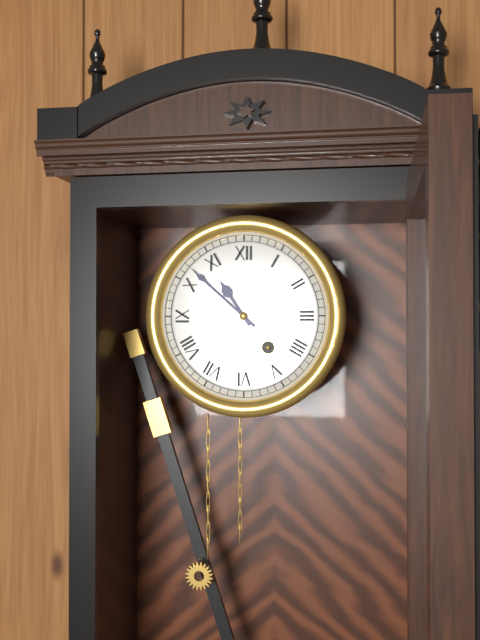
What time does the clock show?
10:52
